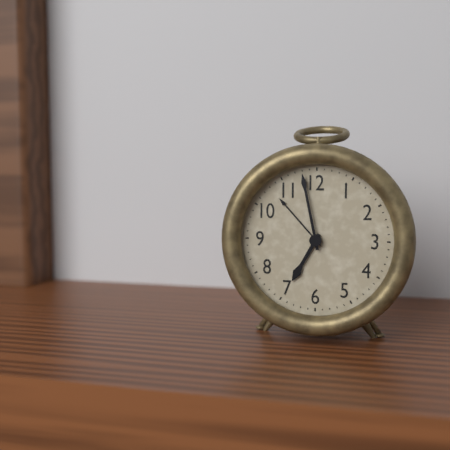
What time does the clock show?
6:58
